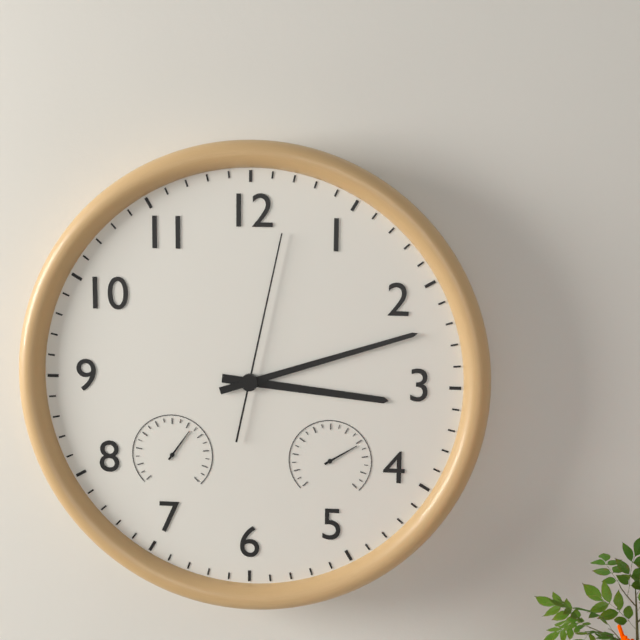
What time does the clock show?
3:12:02
